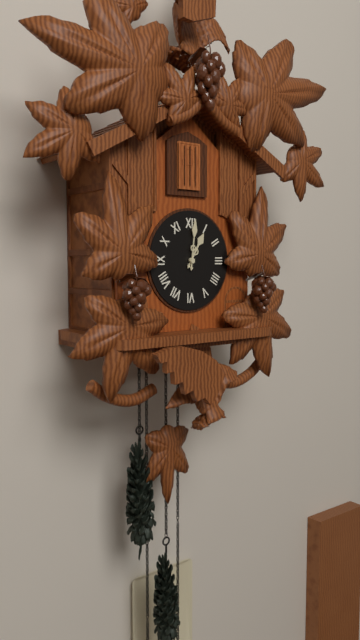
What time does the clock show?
1:01
